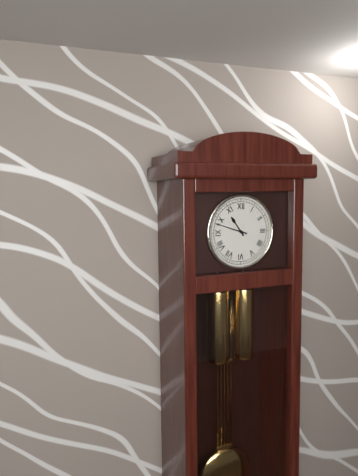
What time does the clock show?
10:48
